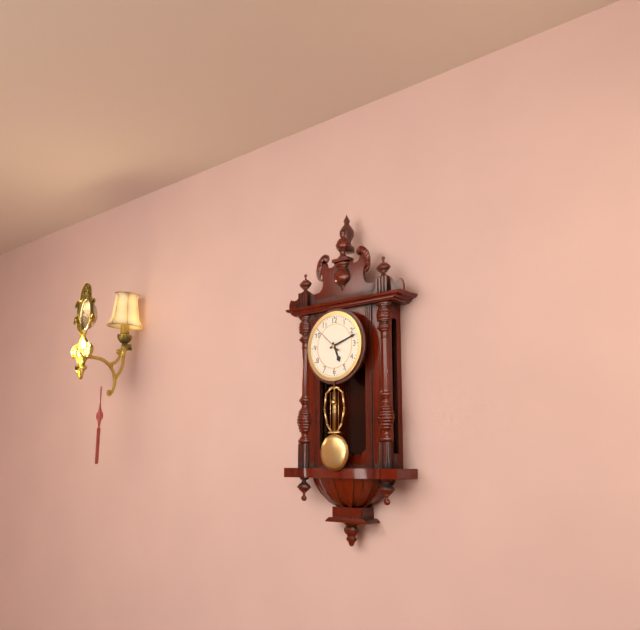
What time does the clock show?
5:12
